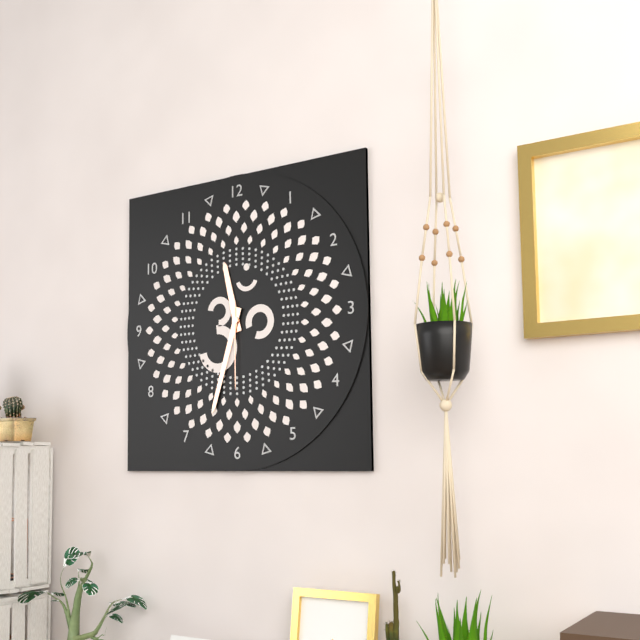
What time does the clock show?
11:33:30
